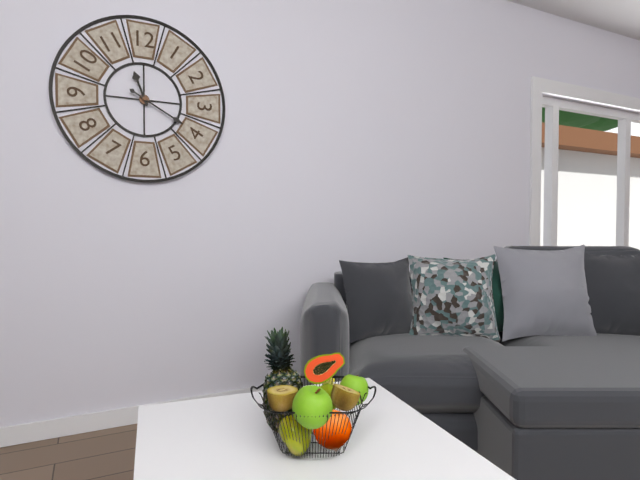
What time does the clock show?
11:20
